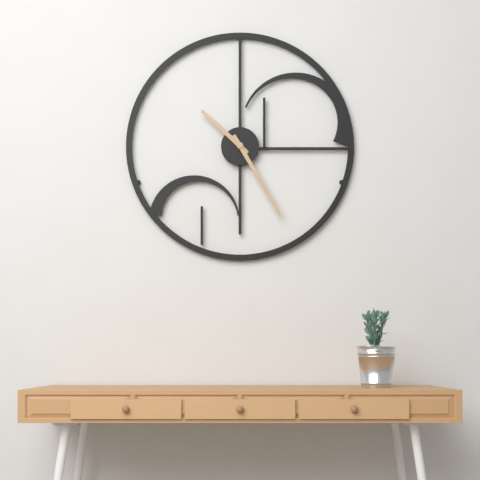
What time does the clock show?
10:25
